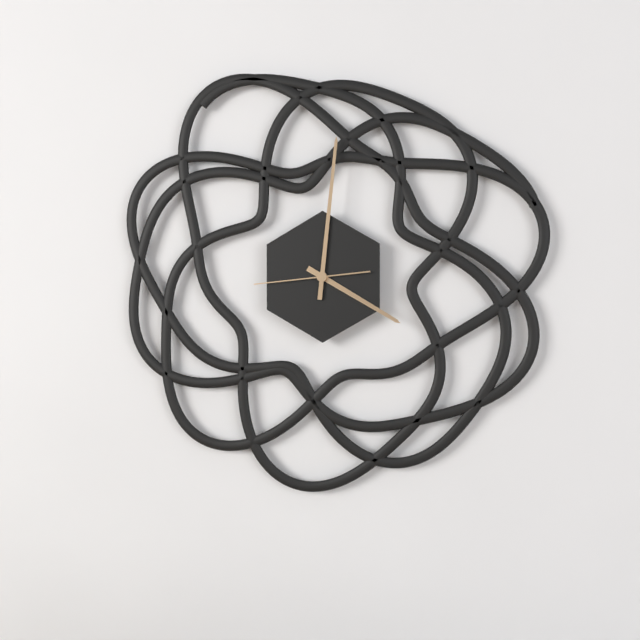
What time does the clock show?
4:01:44
